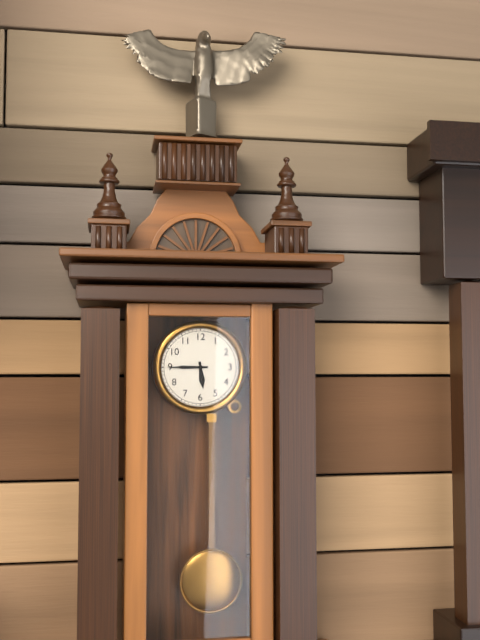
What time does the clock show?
5:45
